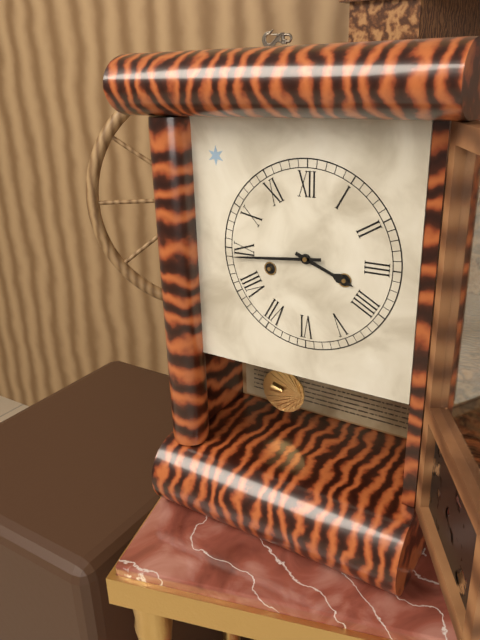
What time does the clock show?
3:44
